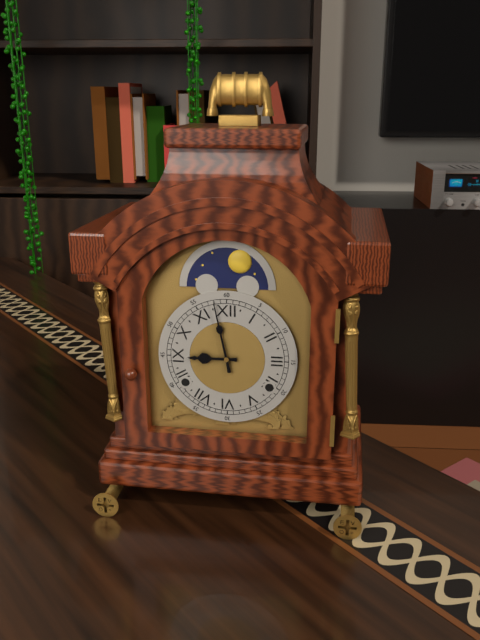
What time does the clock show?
8:58
